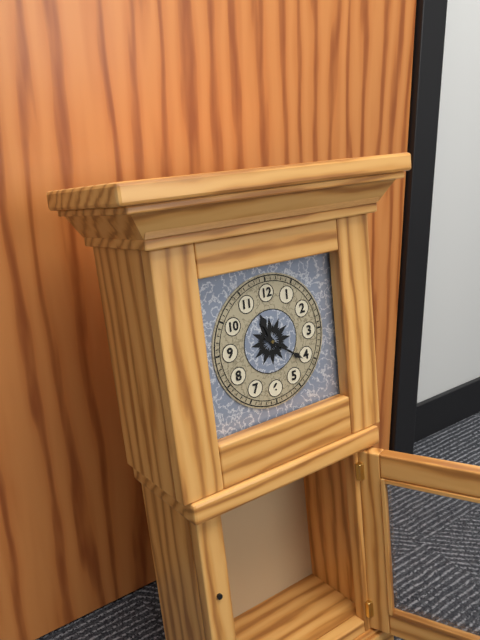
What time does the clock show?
11:21
